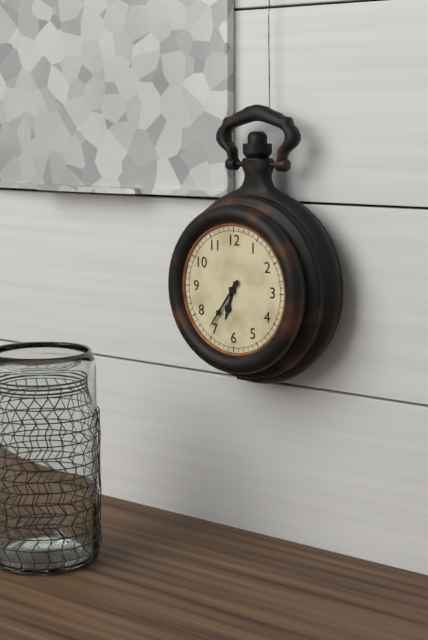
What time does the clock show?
6:36
